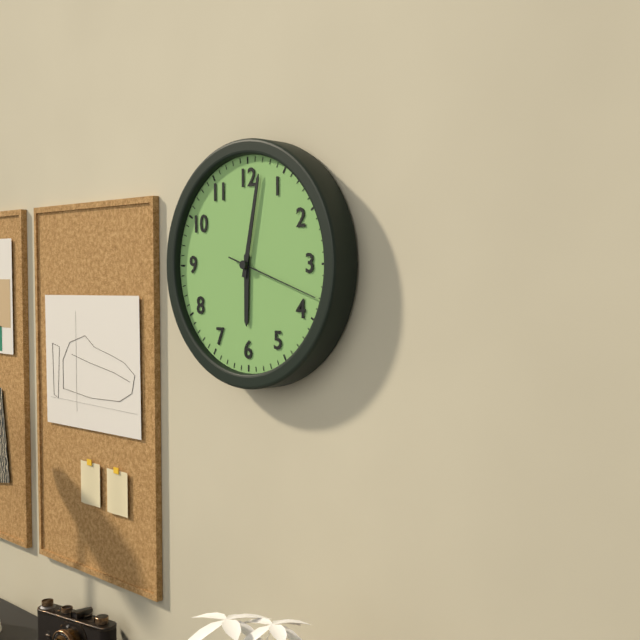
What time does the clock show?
6:02:18
